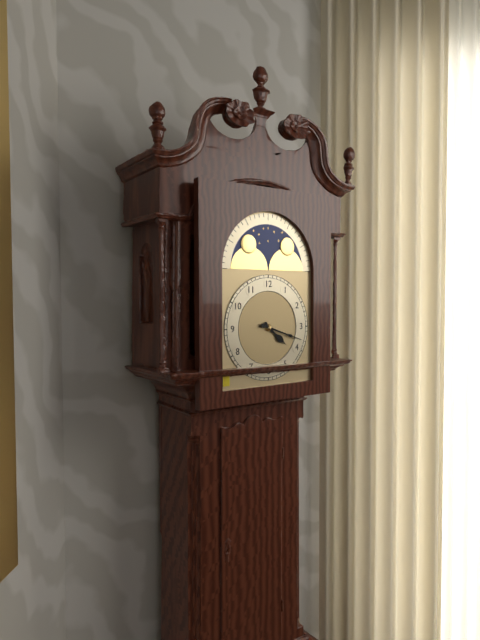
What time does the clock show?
4:18
